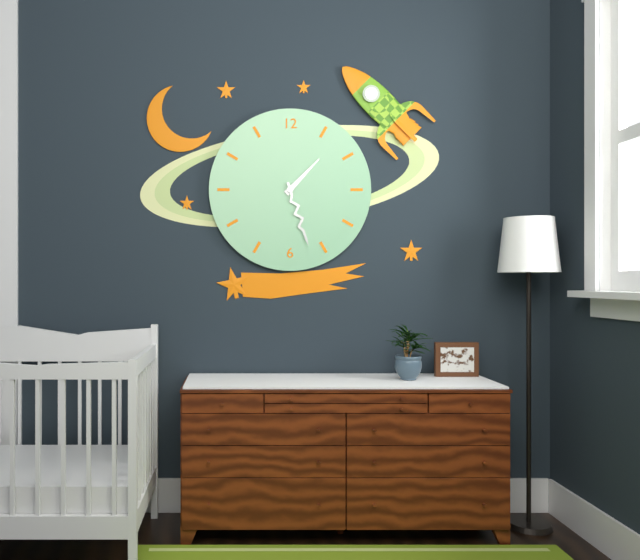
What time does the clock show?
1:27
